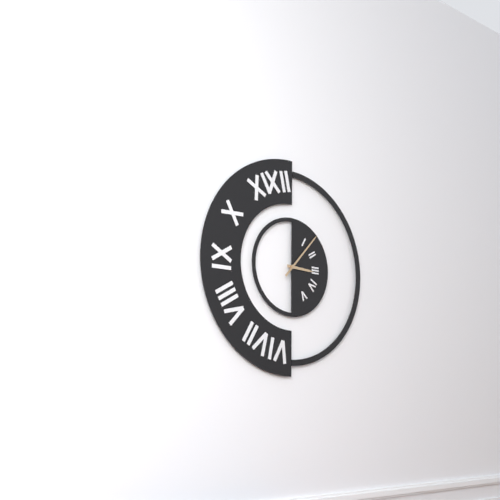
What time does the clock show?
3:07
